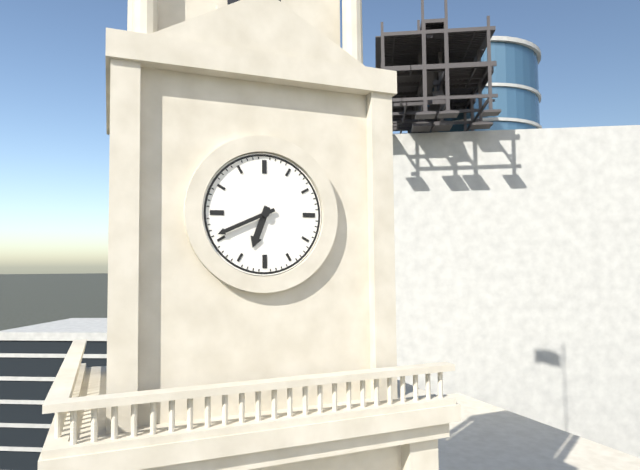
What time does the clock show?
6:41
